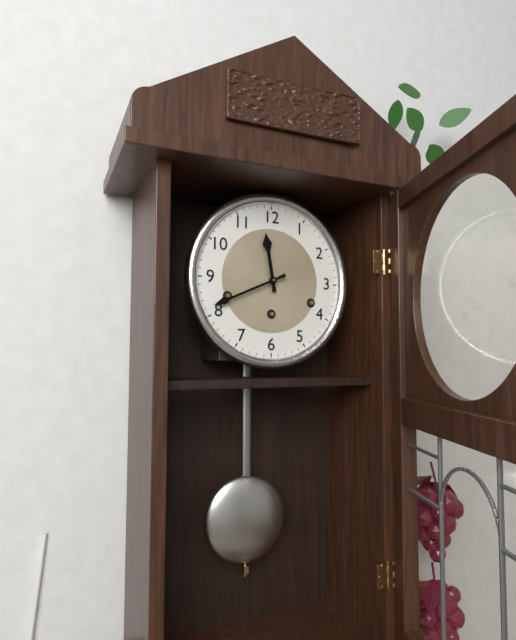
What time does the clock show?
11:41
